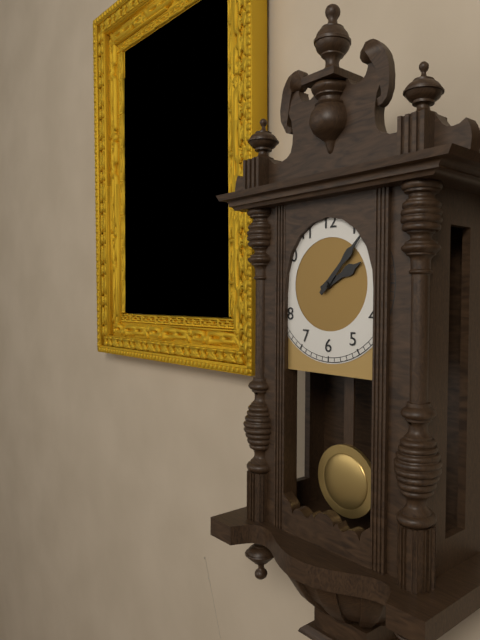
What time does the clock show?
2:07
